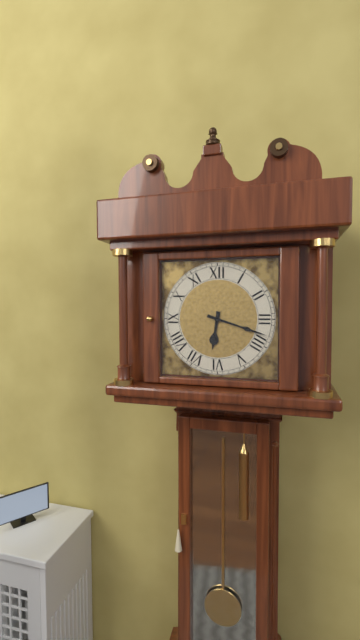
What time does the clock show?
6:18
